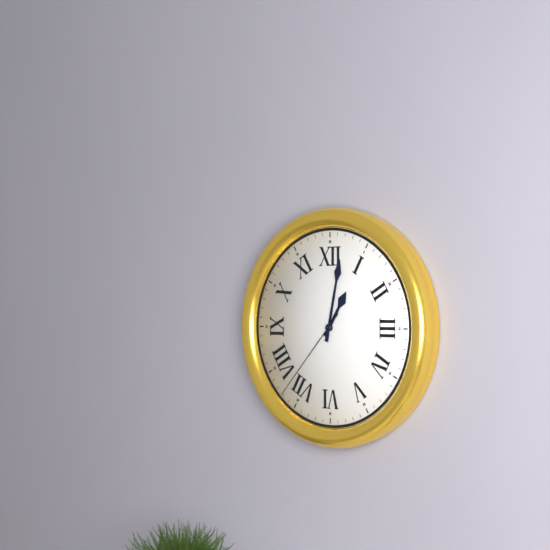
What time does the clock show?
1:02:37
